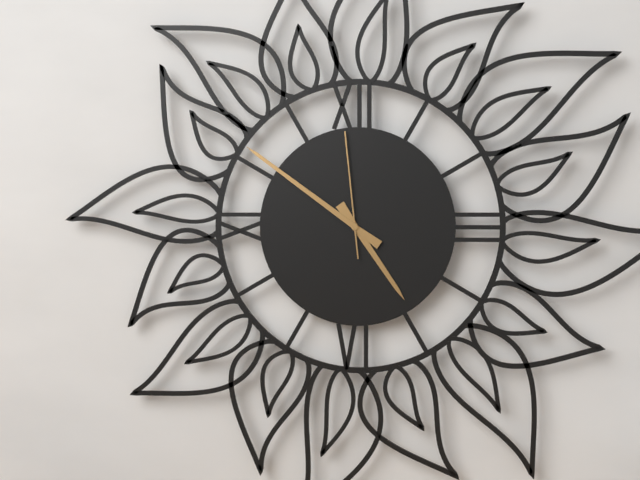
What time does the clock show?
4:51:59
